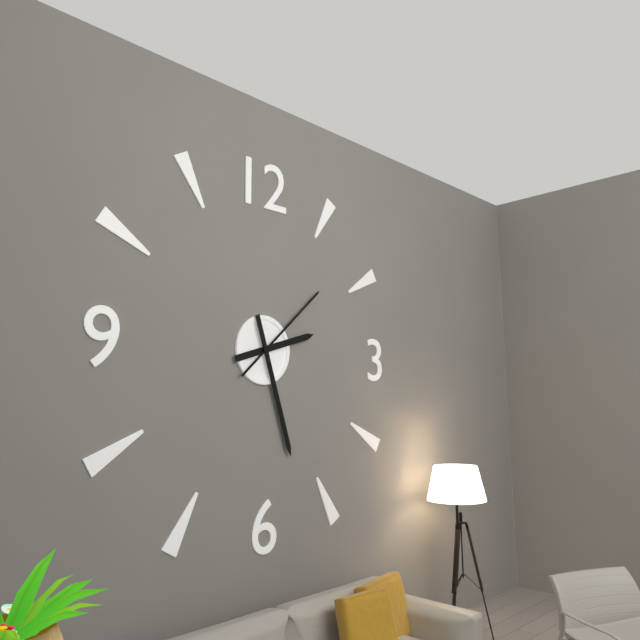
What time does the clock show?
2:27:08
